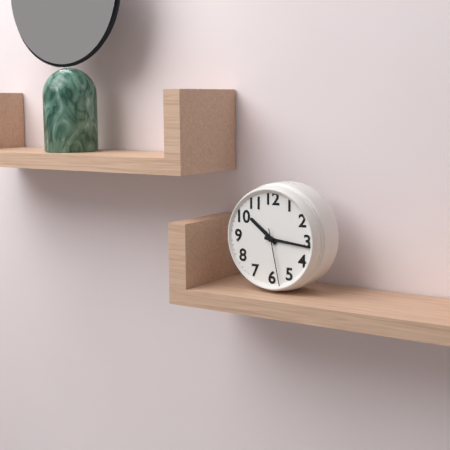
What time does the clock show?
10:16:28
